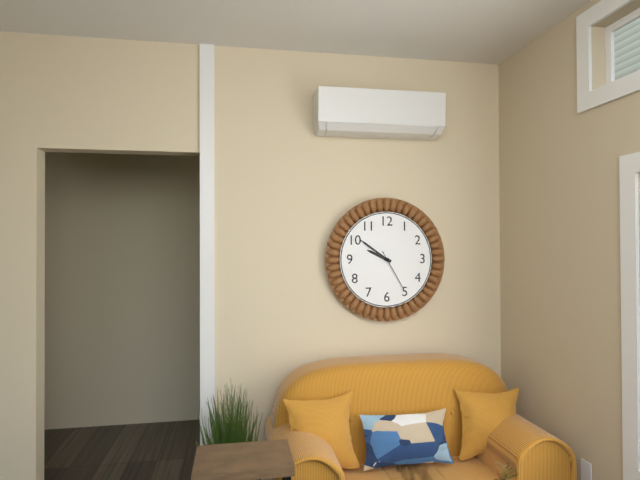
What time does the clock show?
9:51
